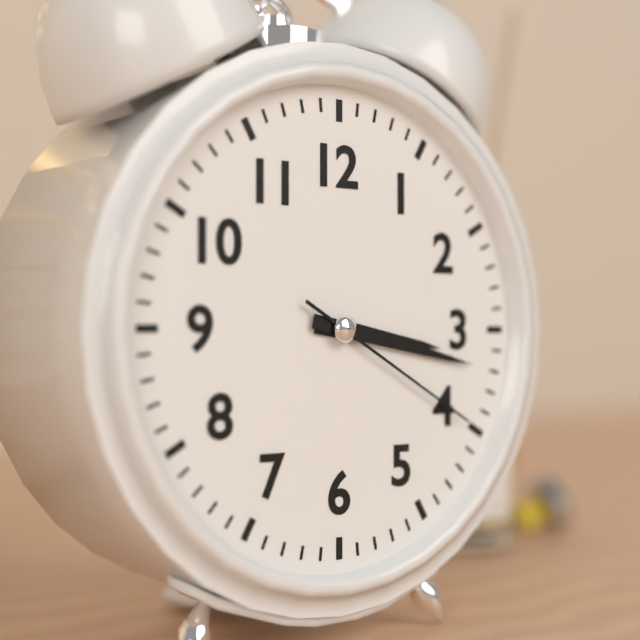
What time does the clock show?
3:17:20
